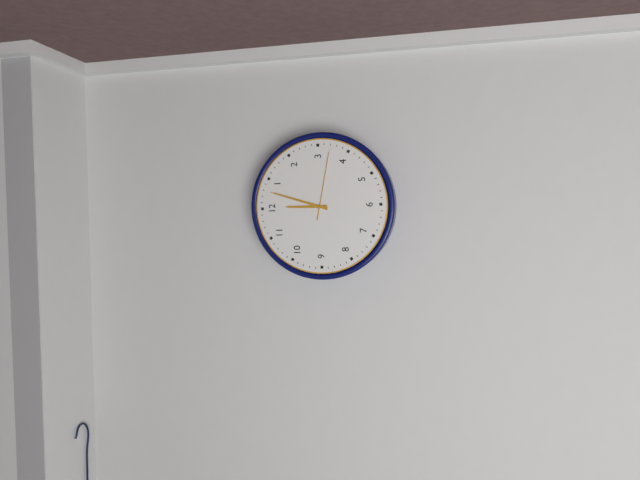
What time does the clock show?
12:03:17
